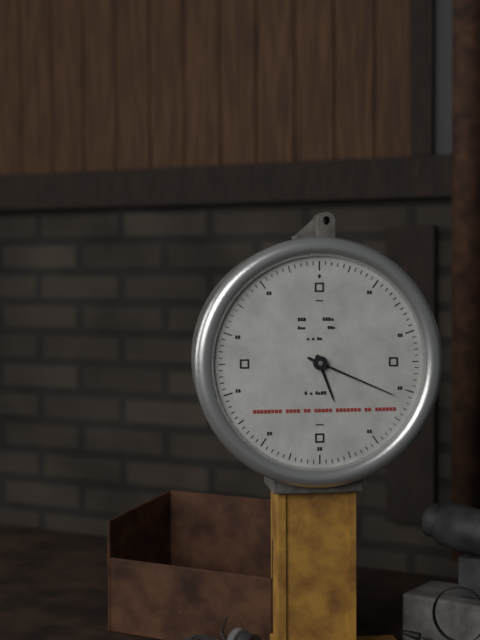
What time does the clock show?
5:19
